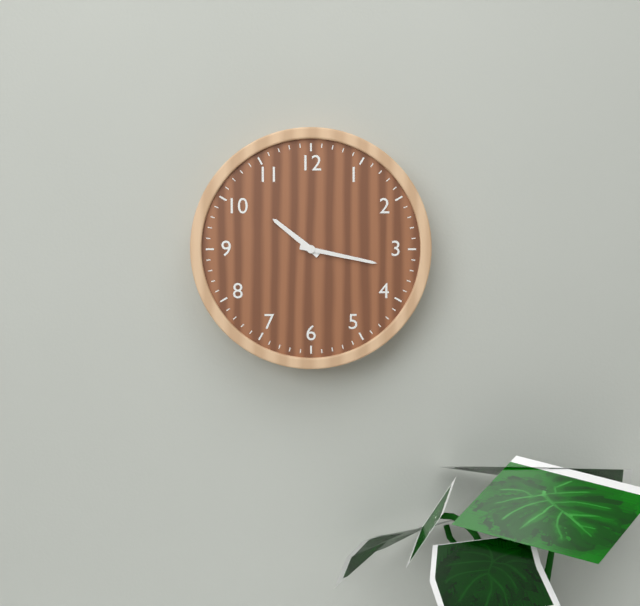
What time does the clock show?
10:17
